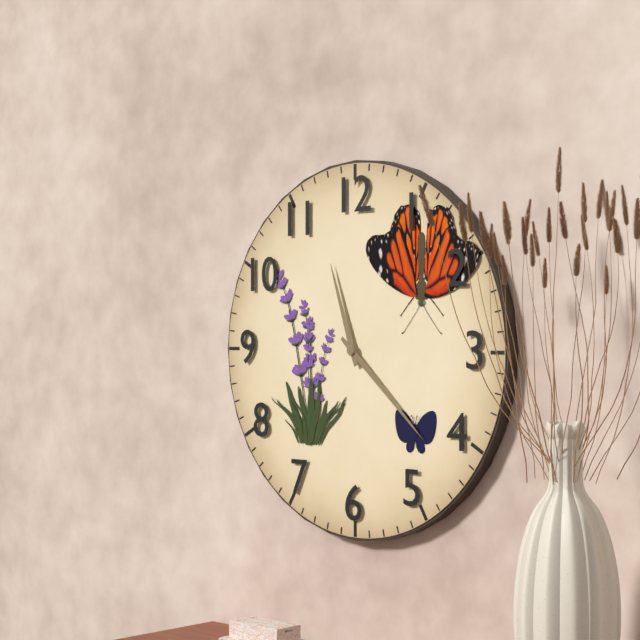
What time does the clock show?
11:22
